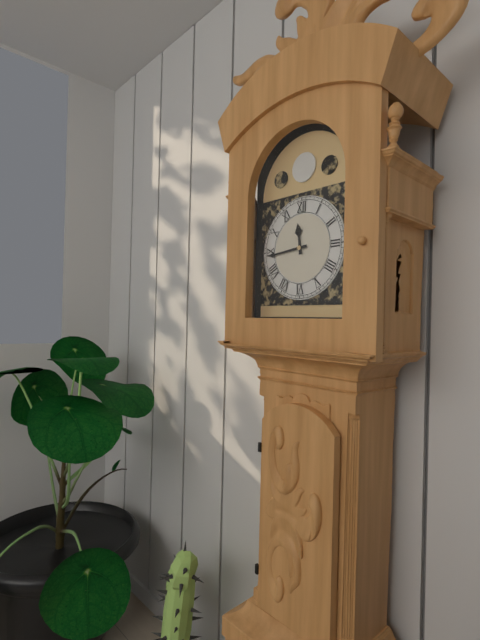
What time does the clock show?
11:44
